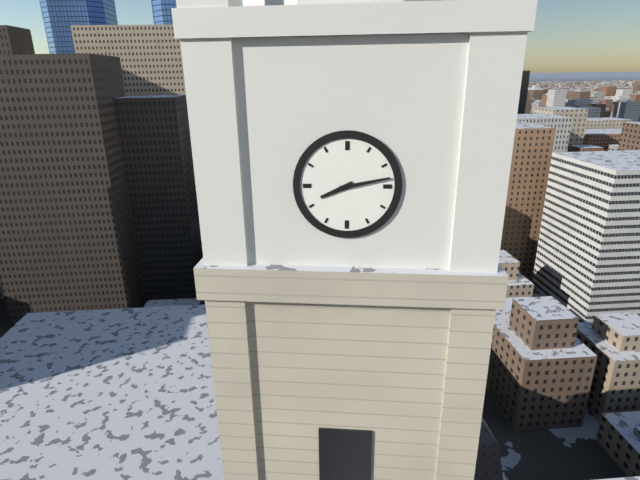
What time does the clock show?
8:13
